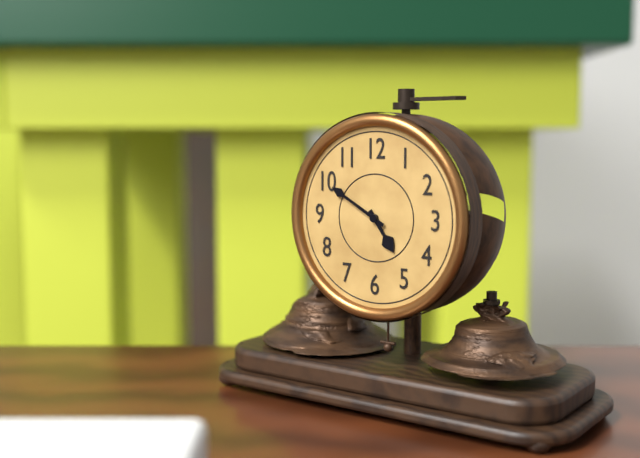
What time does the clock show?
4:50
